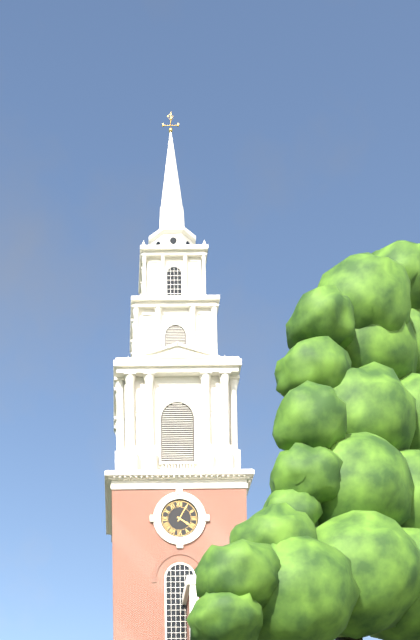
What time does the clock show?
4:05
